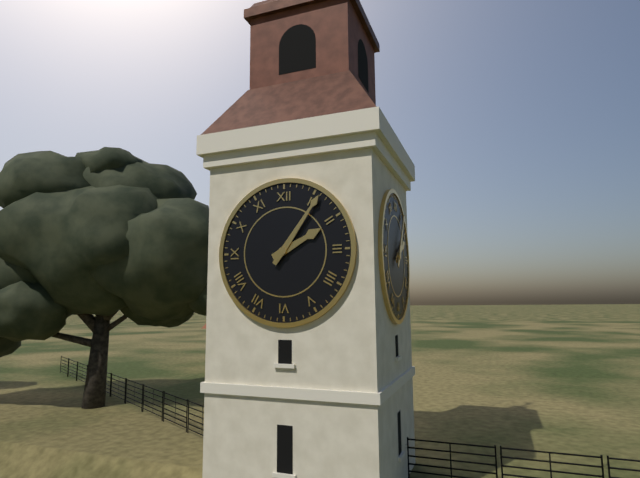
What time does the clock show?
2:06
